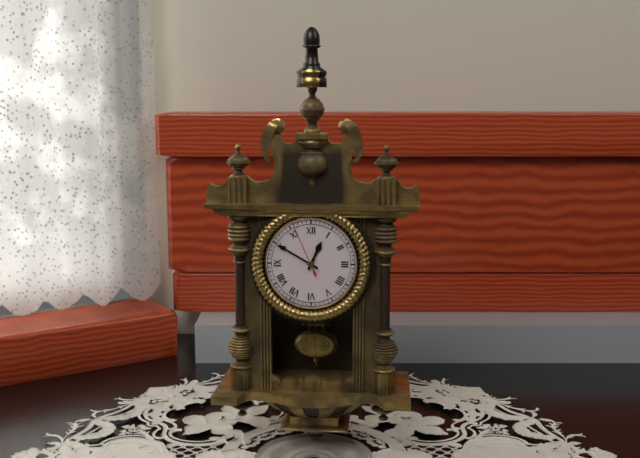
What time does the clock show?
12:50:56
